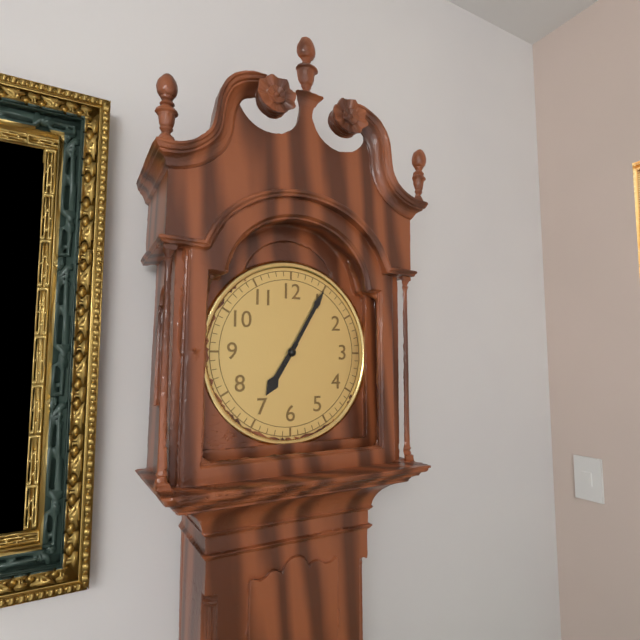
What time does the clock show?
7:05
